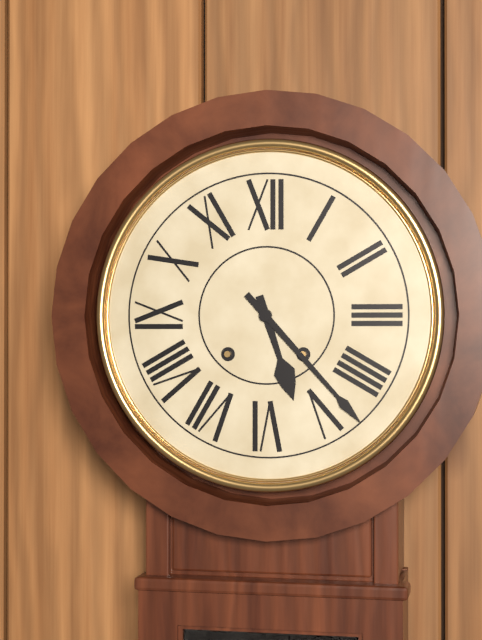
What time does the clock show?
5:23
